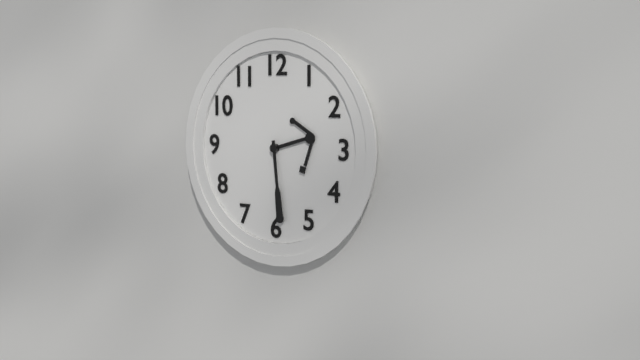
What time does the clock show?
2:29
